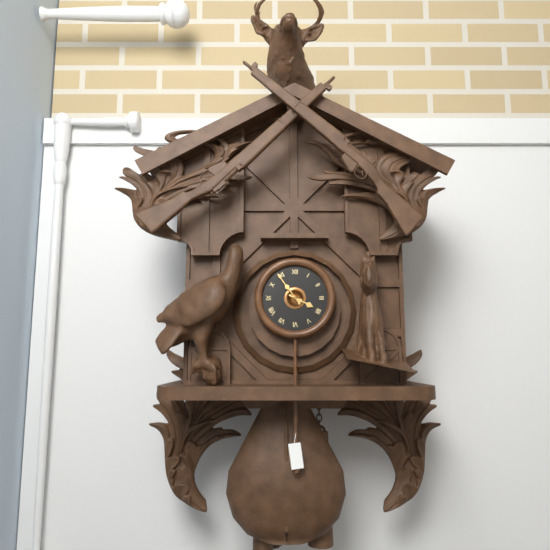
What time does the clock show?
3:54
